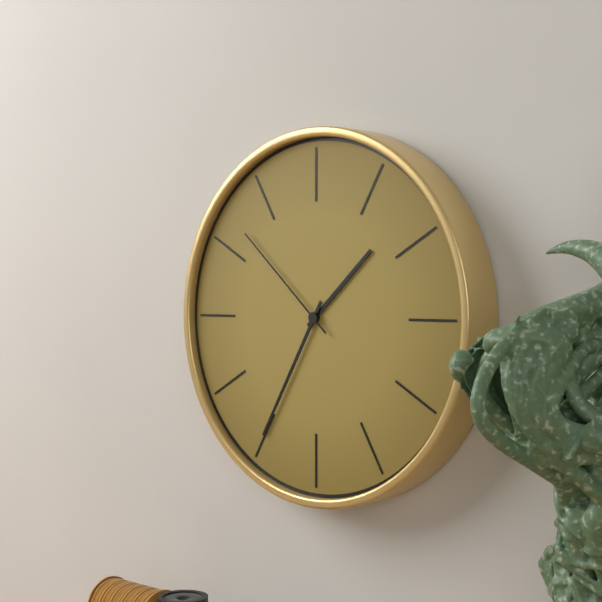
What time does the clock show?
1:35:52
